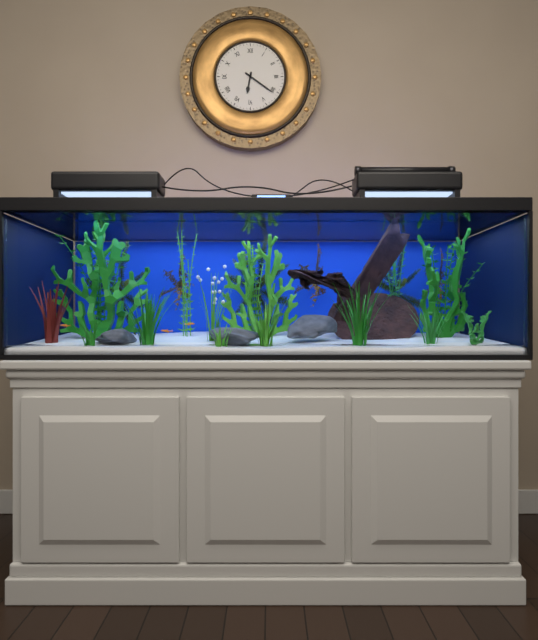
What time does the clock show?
6:21
